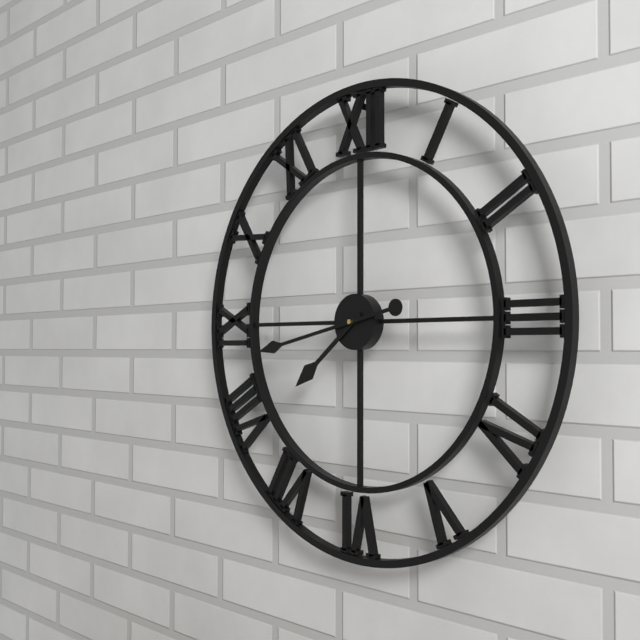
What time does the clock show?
7:43
